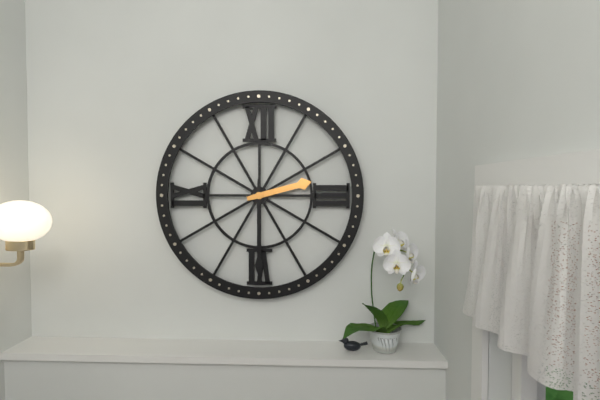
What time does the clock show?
2:30
